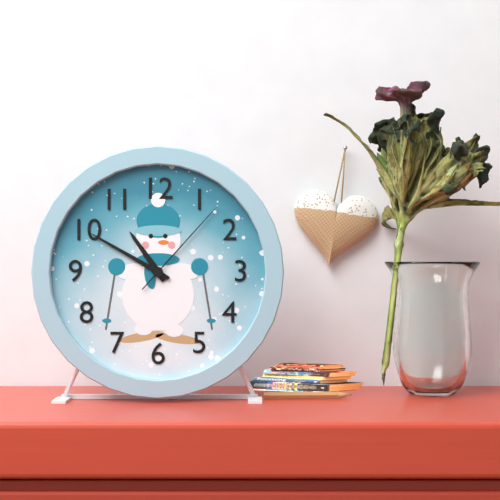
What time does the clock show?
10:50:07
